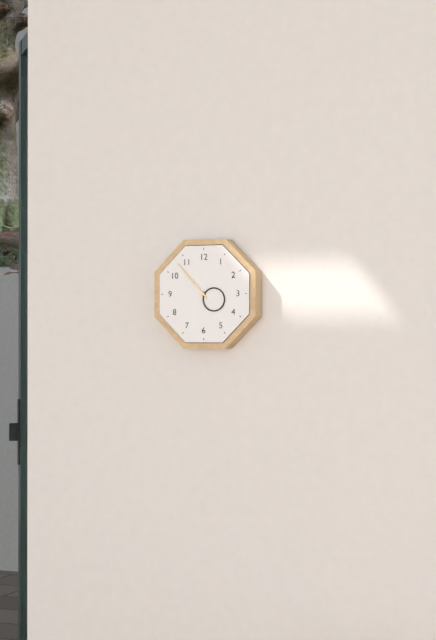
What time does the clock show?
3:53
